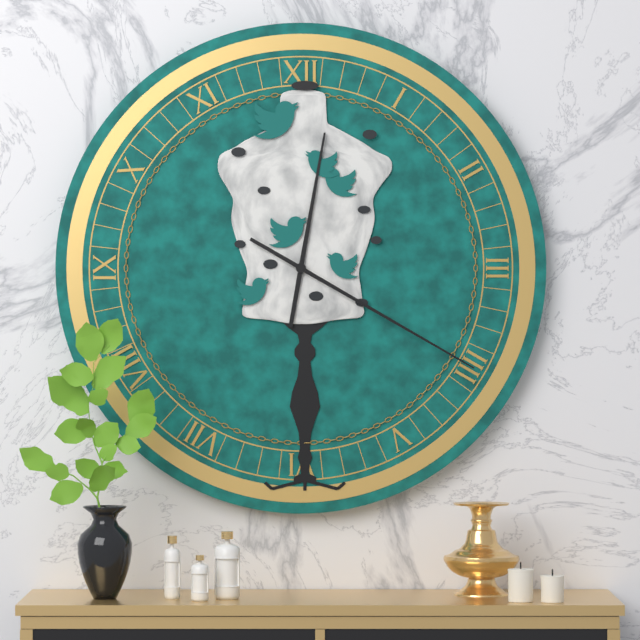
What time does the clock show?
12:20
